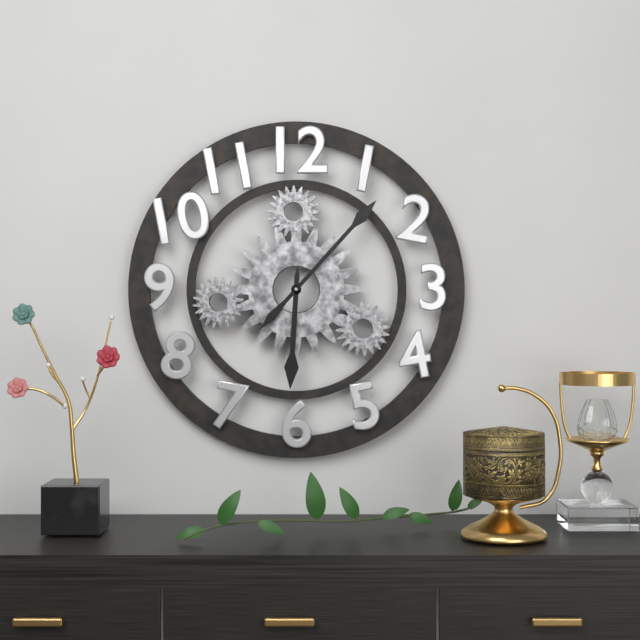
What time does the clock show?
6:07
